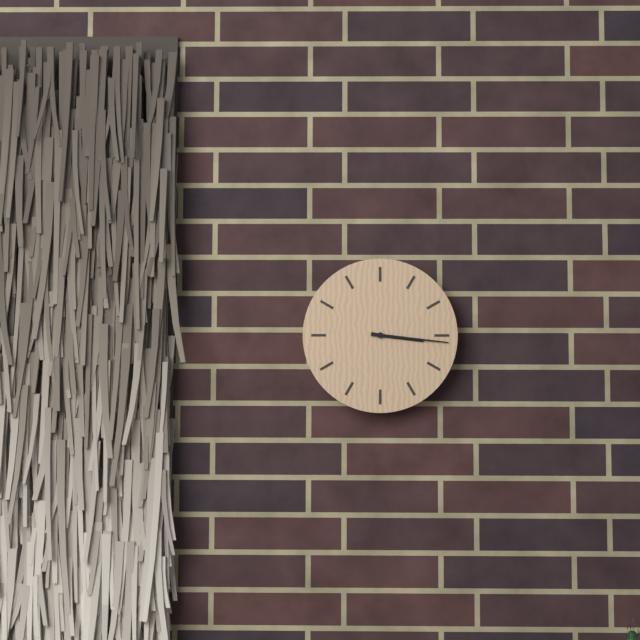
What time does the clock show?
3:16
